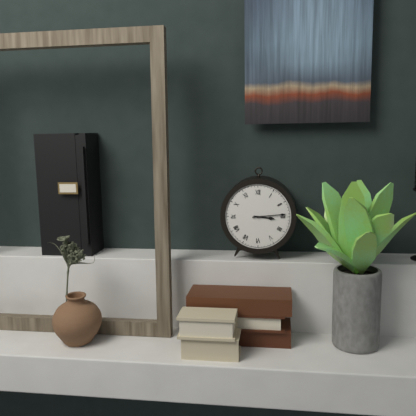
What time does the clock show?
3:14
